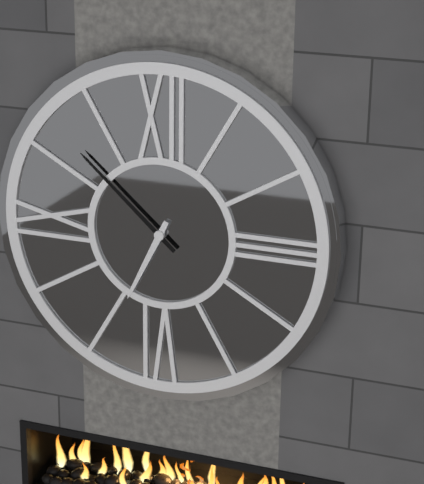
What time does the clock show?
6:52
